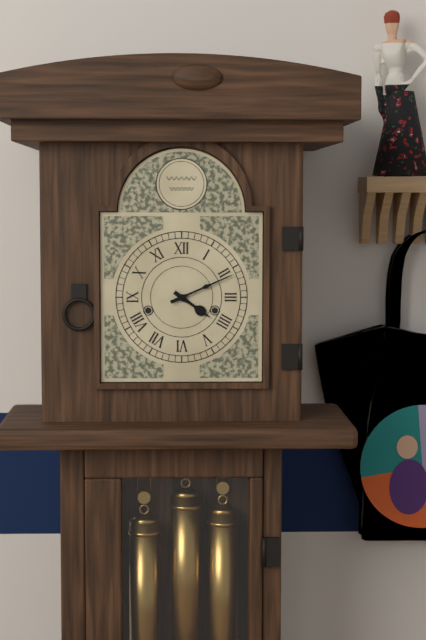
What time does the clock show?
4:11
